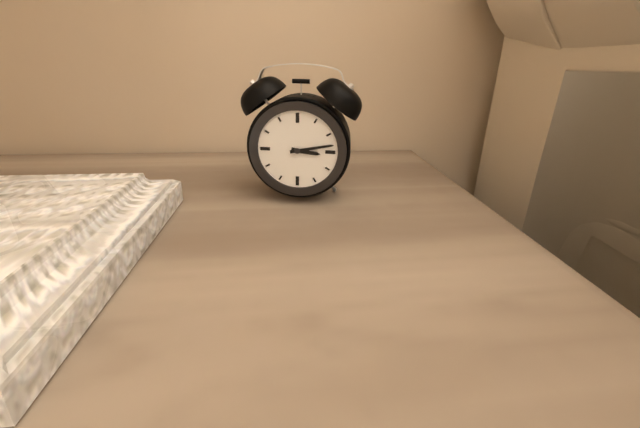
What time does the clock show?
3:13
